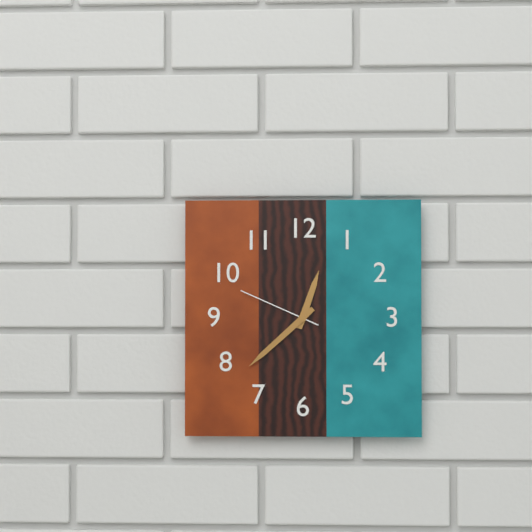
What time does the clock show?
12:38:49
